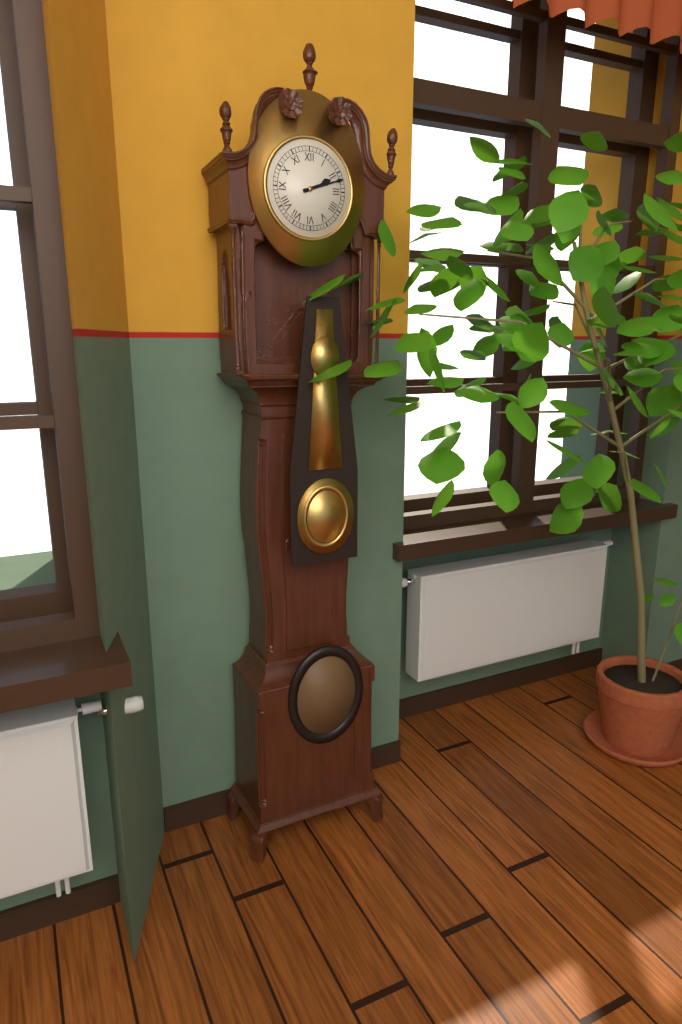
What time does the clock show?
2:12
